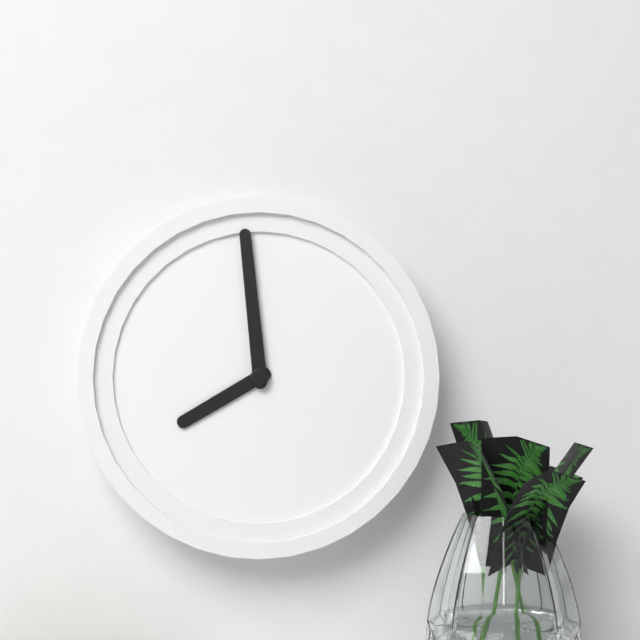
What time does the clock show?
7:59
